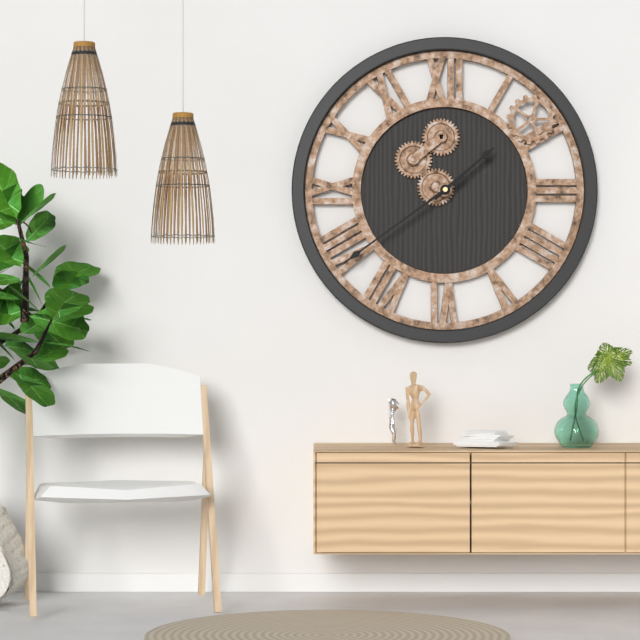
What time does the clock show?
1:39
